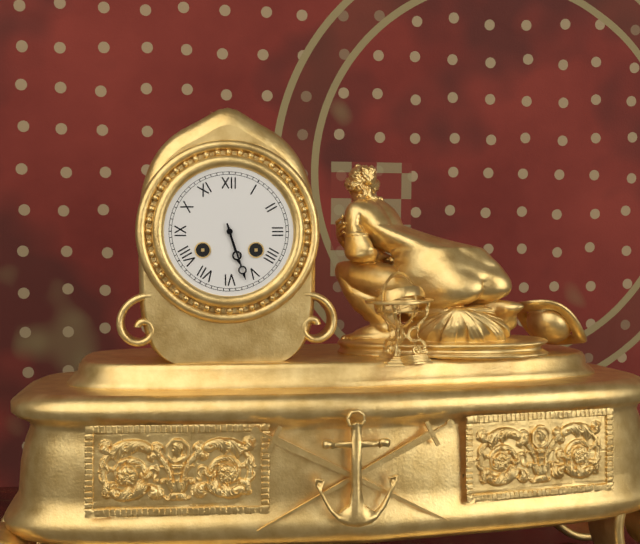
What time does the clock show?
5:27
